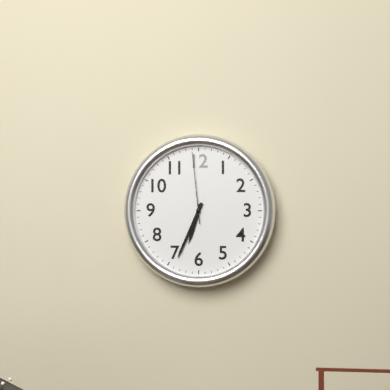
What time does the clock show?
6:34:59
